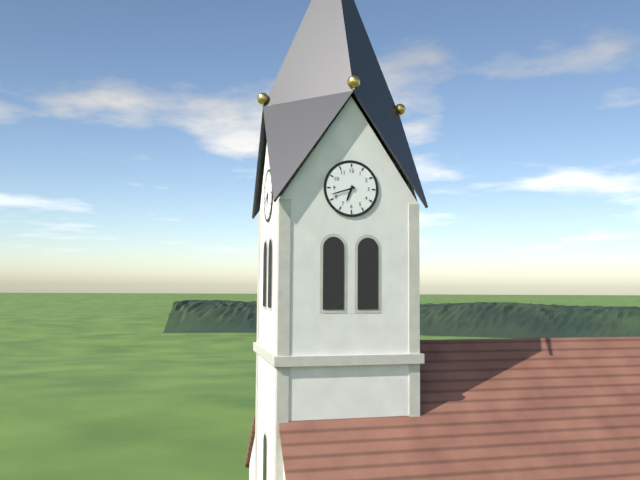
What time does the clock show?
6:42
